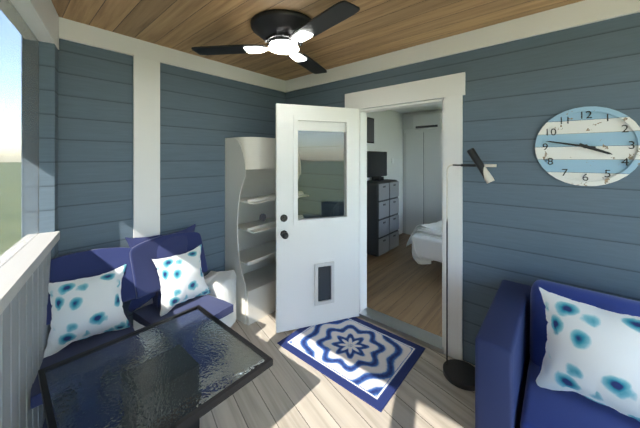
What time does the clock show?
3:47
